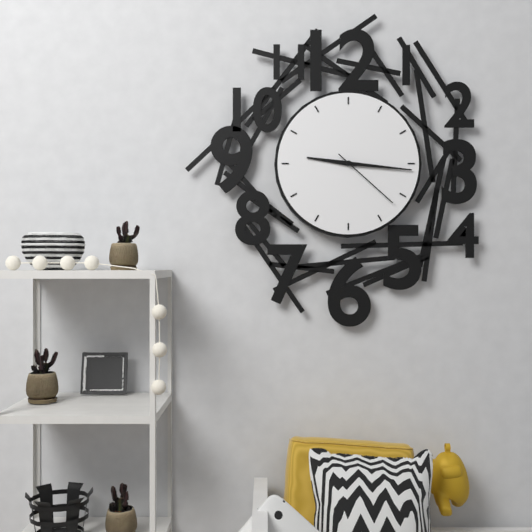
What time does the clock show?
9:16:22
